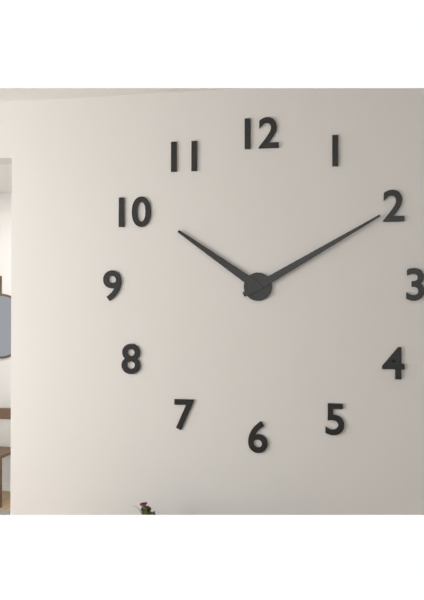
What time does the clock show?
10:10
